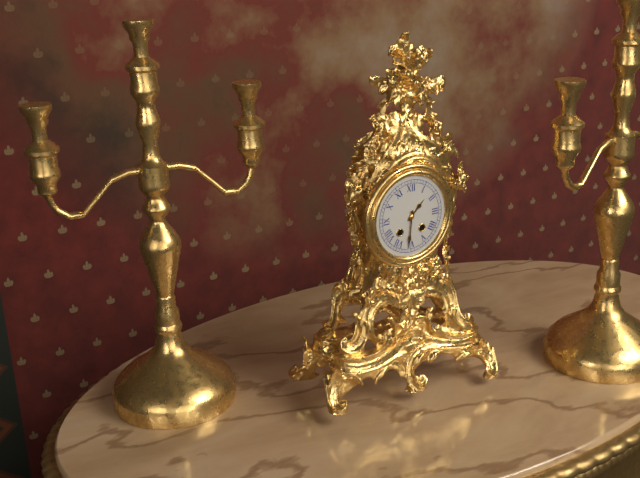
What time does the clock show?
1:31
